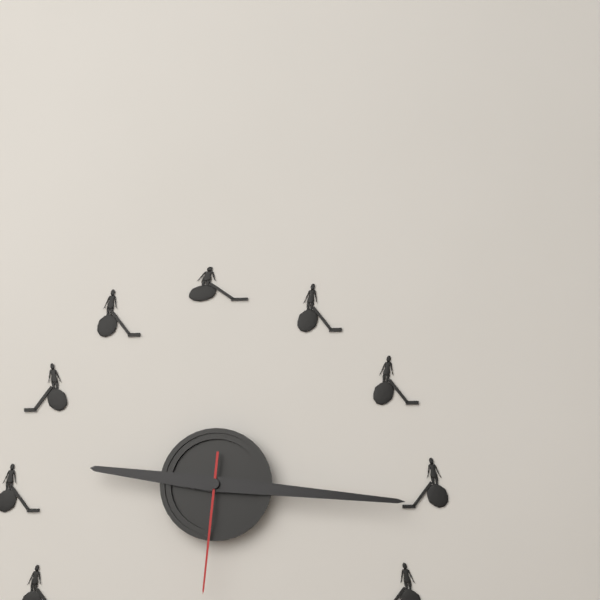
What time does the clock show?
9:16:31
